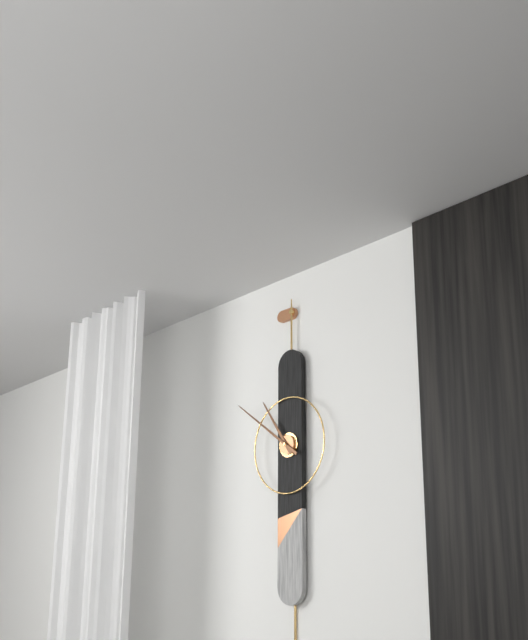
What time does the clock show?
10:51
